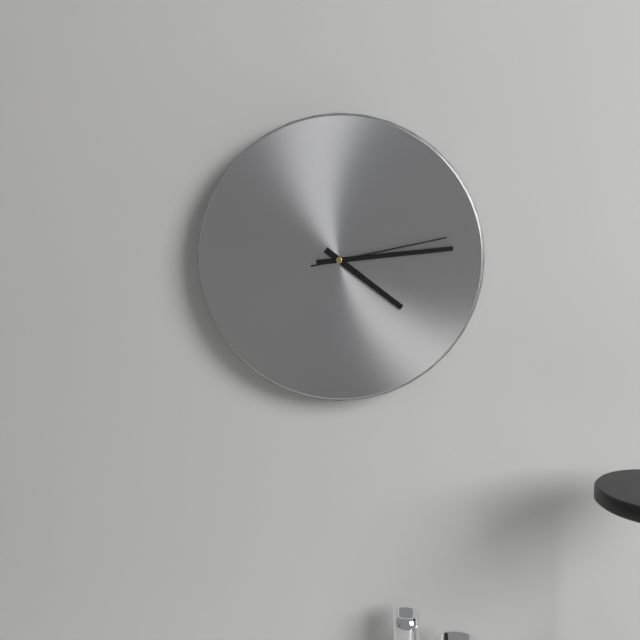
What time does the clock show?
4:14:13
